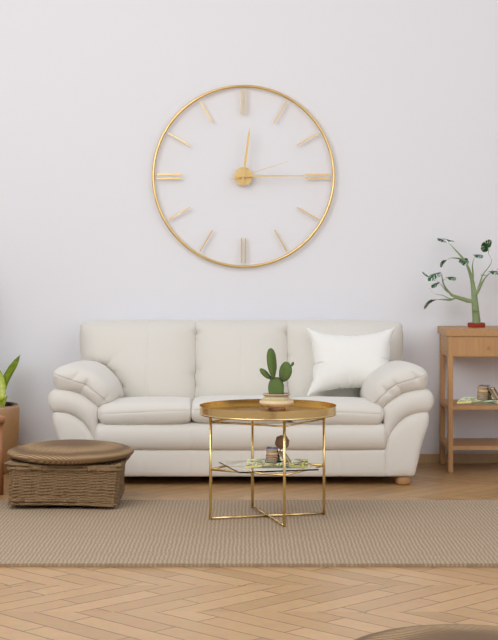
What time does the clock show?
12:15:12
